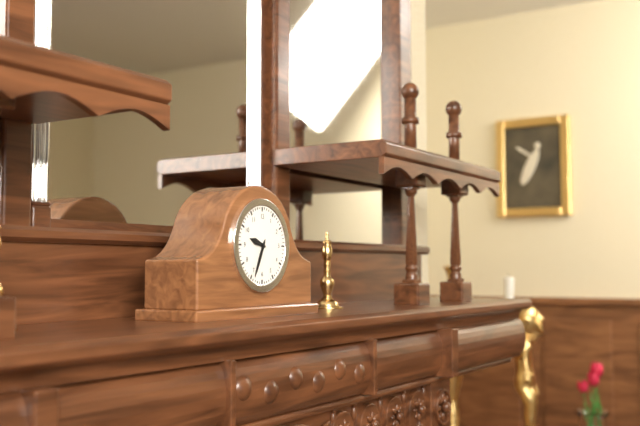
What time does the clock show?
9:34
